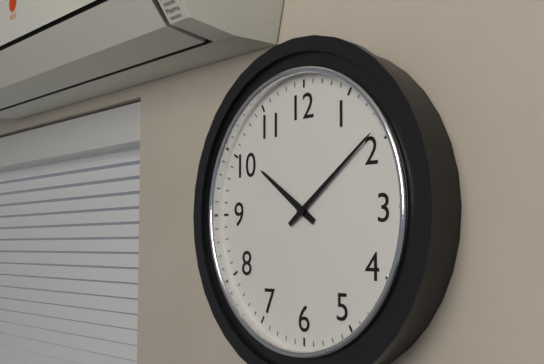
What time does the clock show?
10:09
